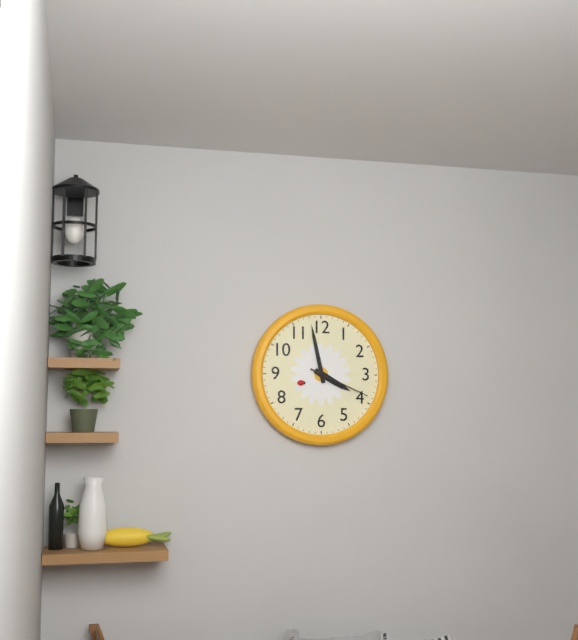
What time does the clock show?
3:58:19
